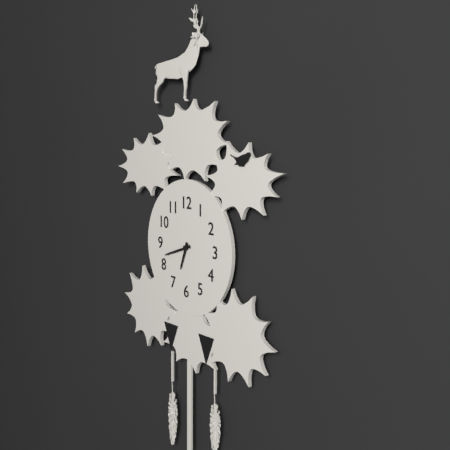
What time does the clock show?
6:42
